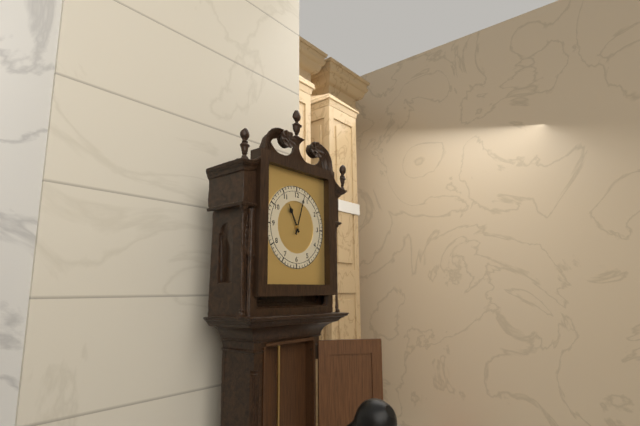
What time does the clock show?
11:03
